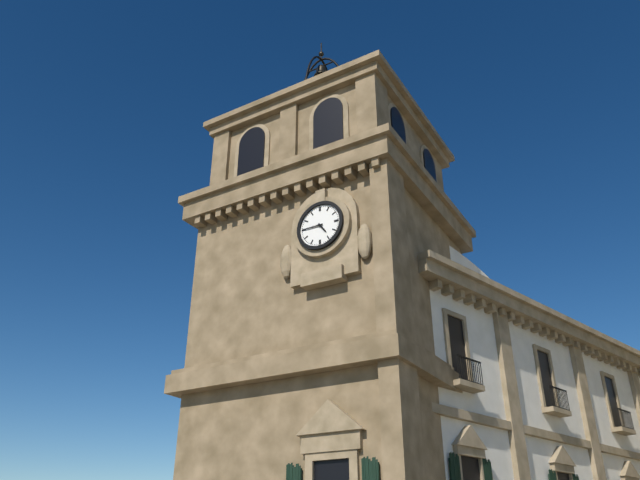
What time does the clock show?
4:45
